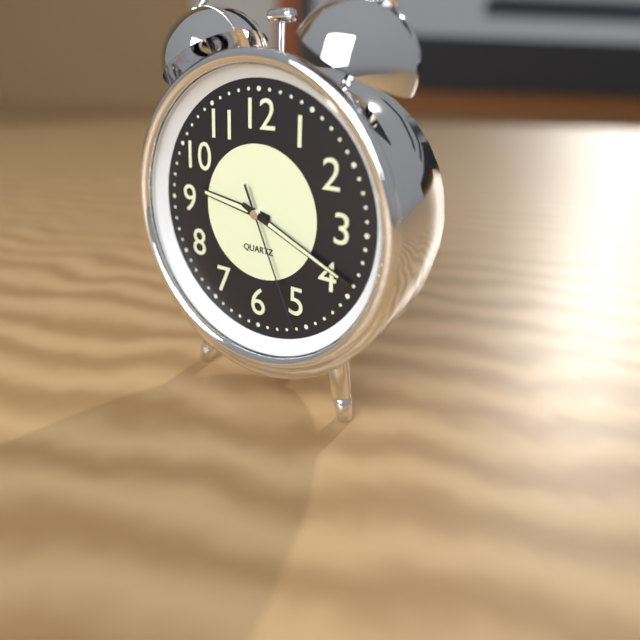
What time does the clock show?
9:19:26
